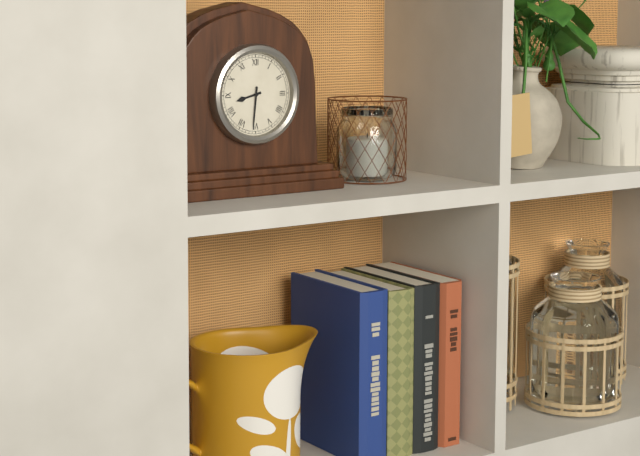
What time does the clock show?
8:31
